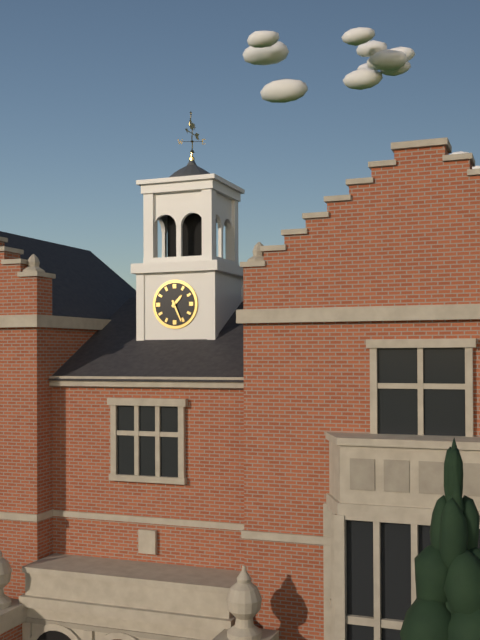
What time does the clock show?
1:26
